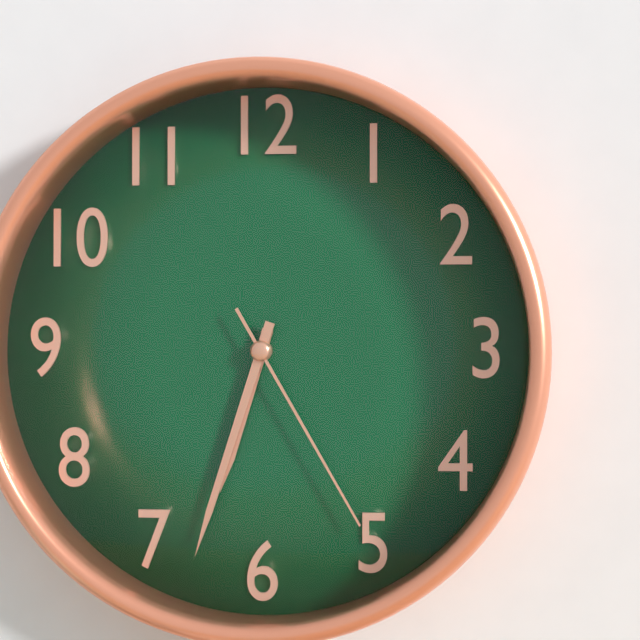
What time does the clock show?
6:33:25
